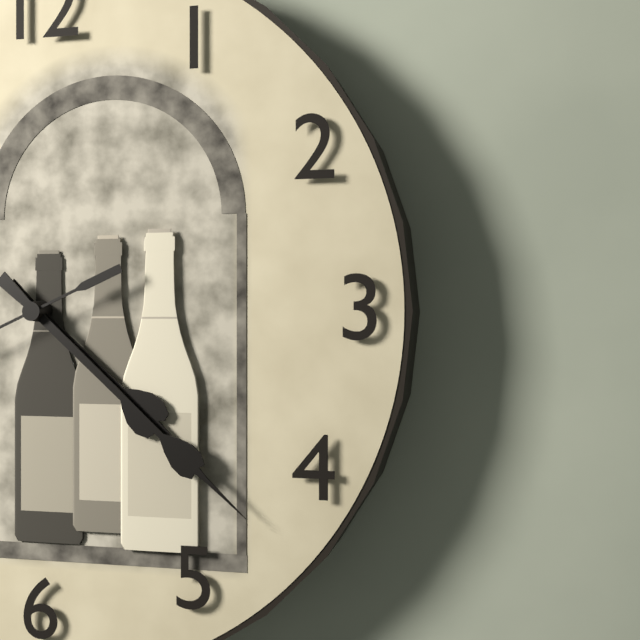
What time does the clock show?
4:22
